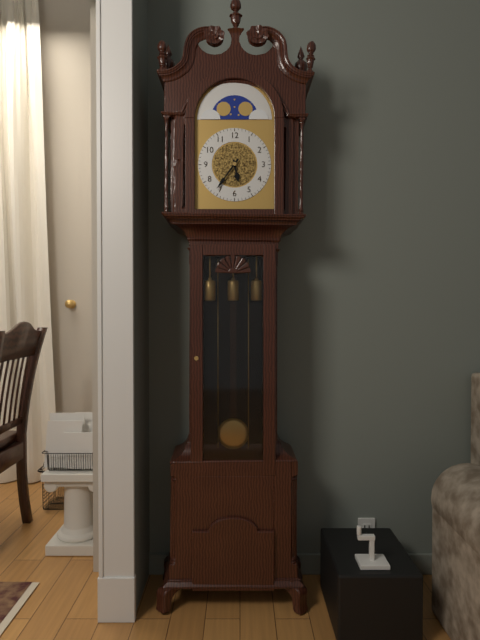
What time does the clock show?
5:36
